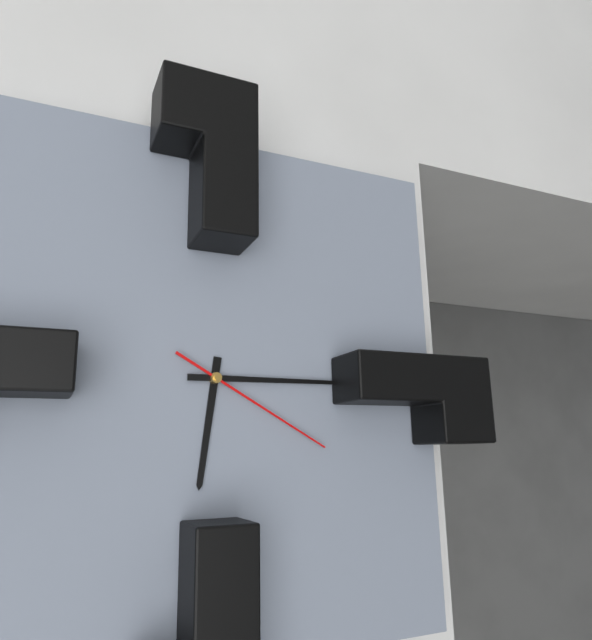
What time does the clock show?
6:15:20
